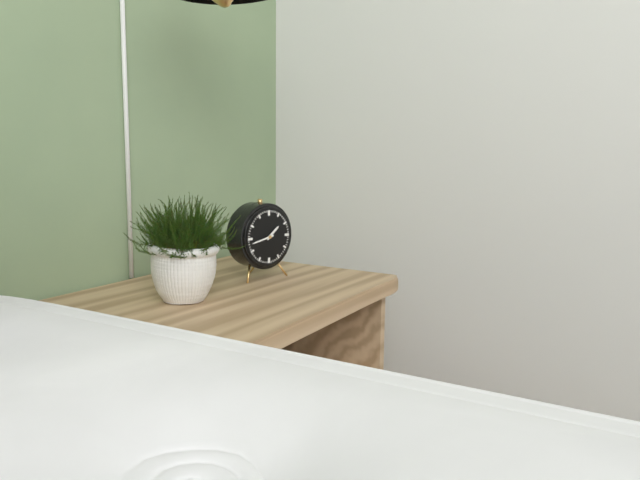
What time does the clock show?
1:43
